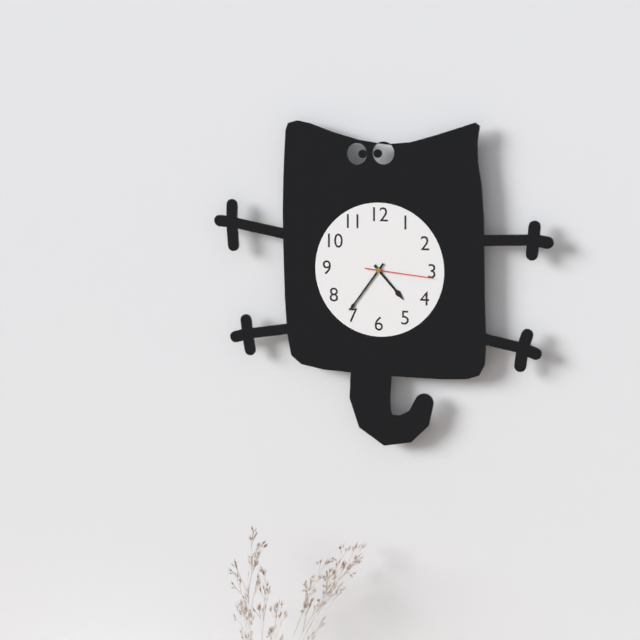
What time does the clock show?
4:36:16
